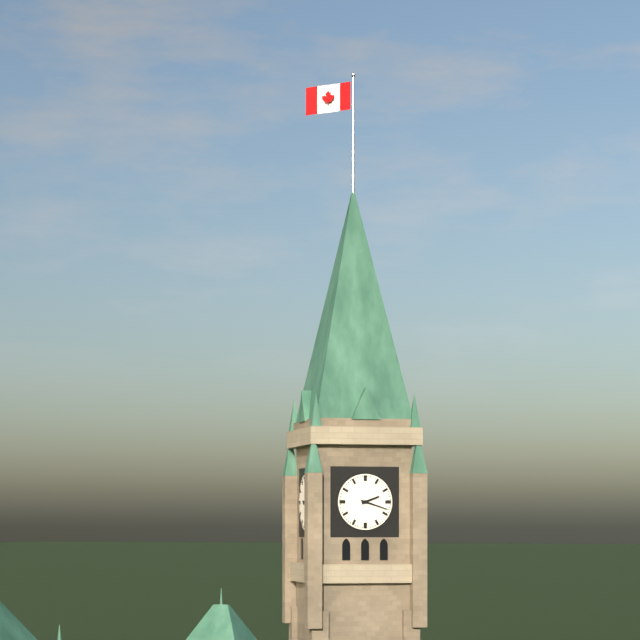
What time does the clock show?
2:18
